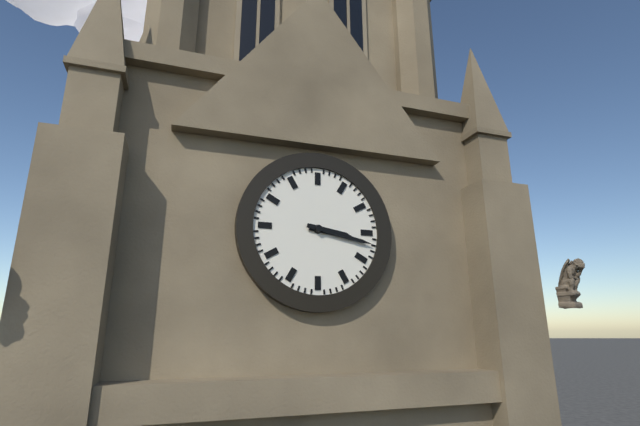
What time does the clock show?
3:17
